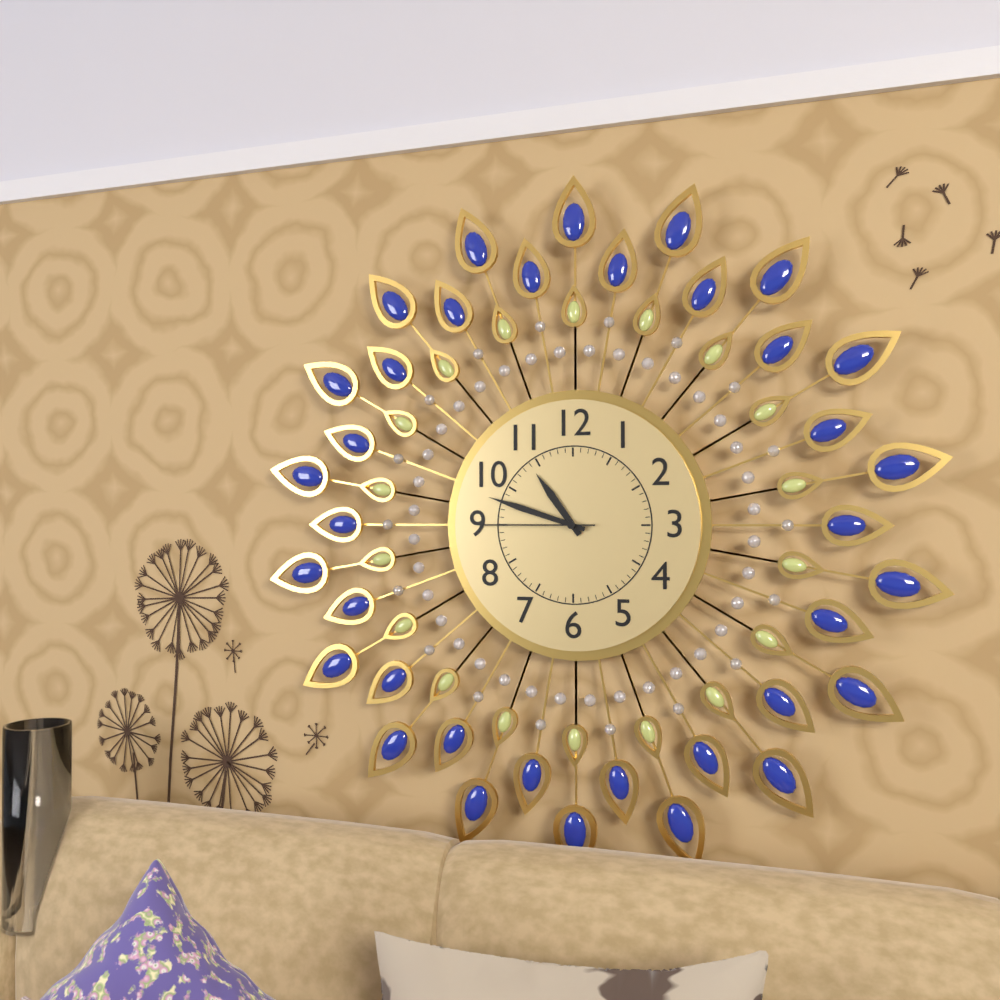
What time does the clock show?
10:48:45
